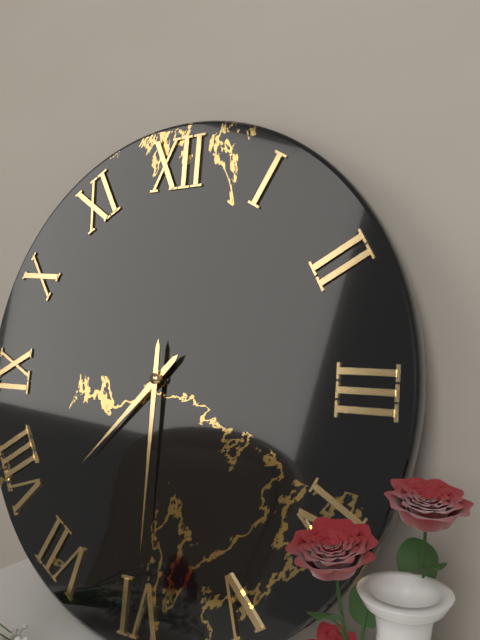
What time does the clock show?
7:30
